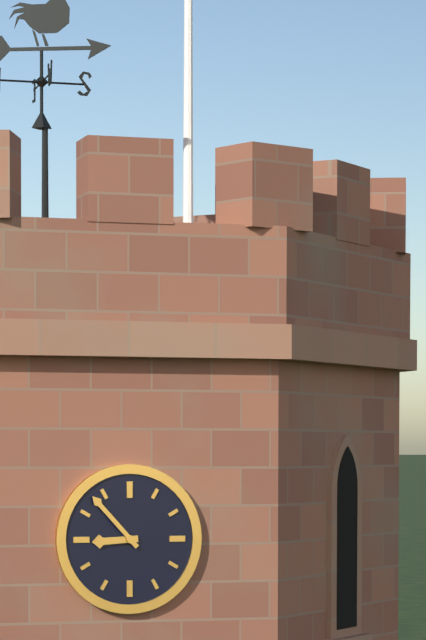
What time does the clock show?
8:53
